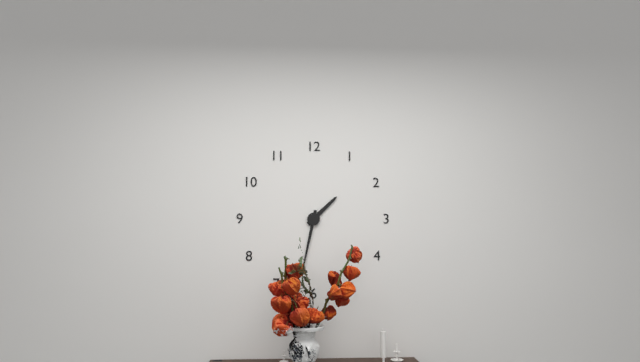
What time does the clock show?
1:32
